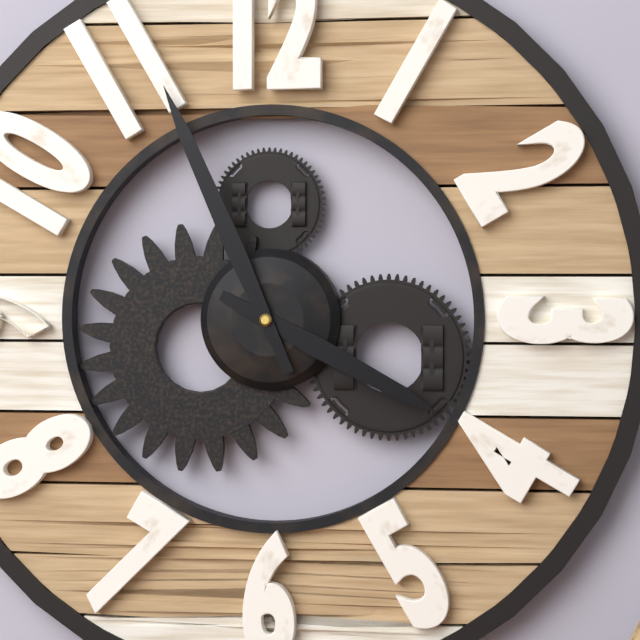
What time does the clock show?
3:56
